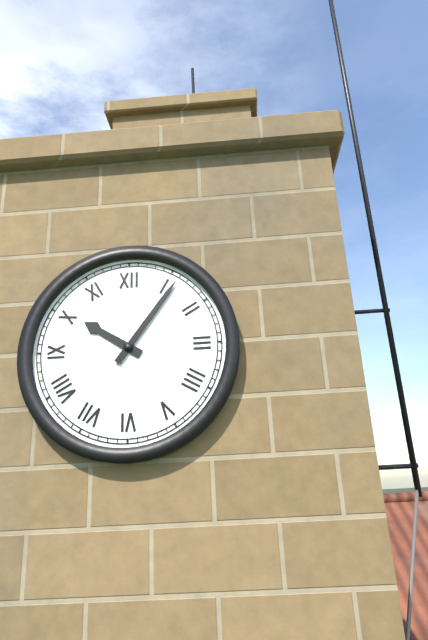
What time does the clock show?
10:06
